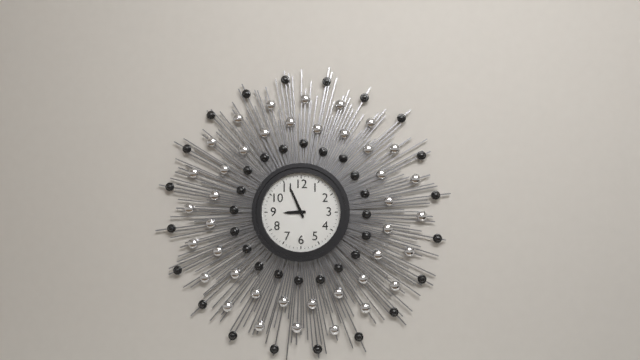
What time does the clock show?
8:56
